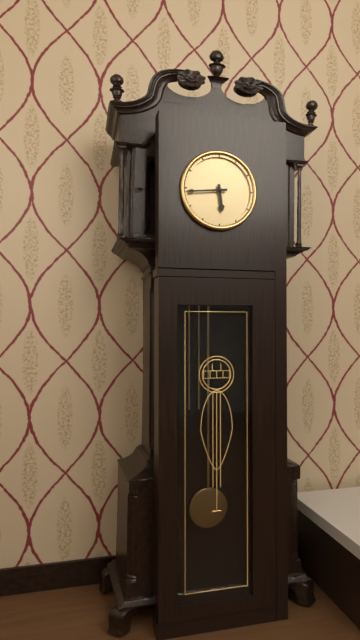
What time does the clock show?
5:44
